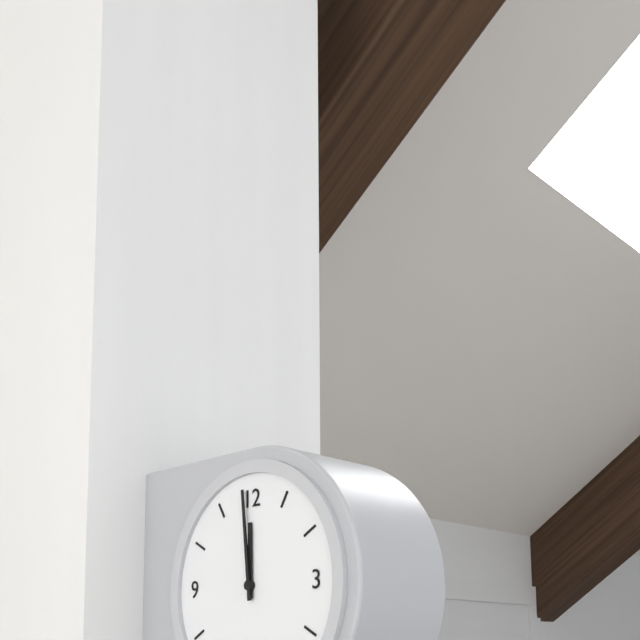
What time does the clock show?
11:59
